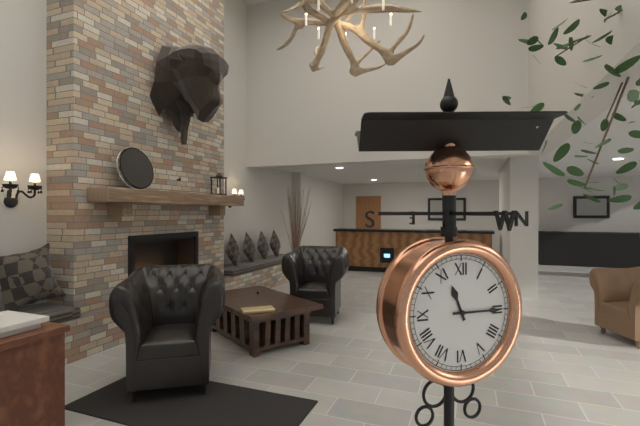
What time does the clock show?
11:15
